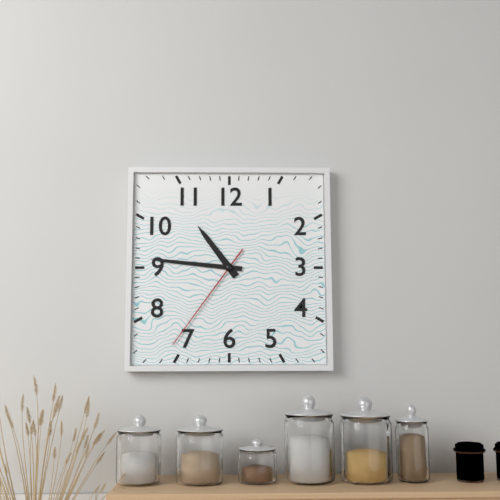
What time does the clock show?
10:46:36
